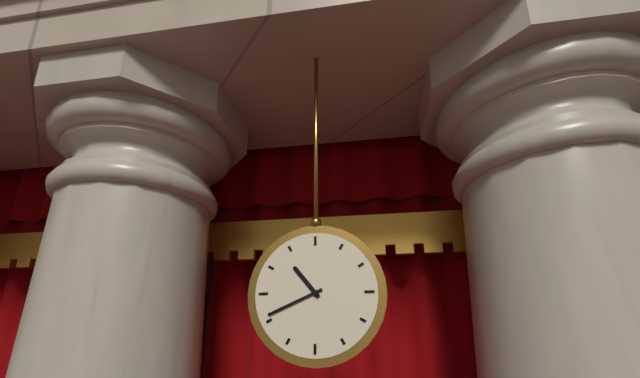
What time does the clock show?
10:41
